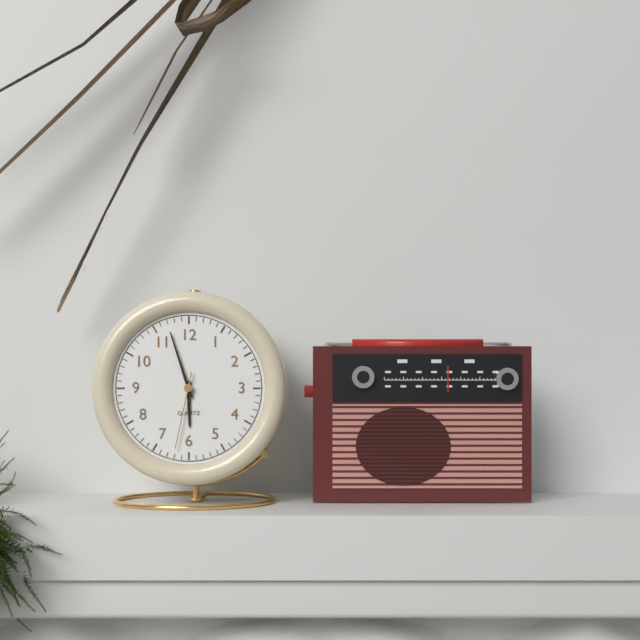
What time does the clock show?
5:57:32
